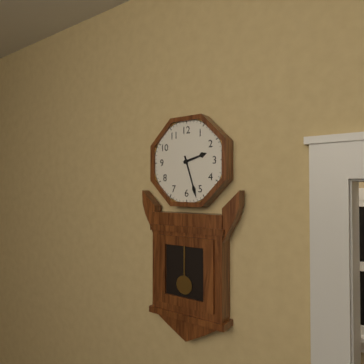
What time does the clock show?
2:27
